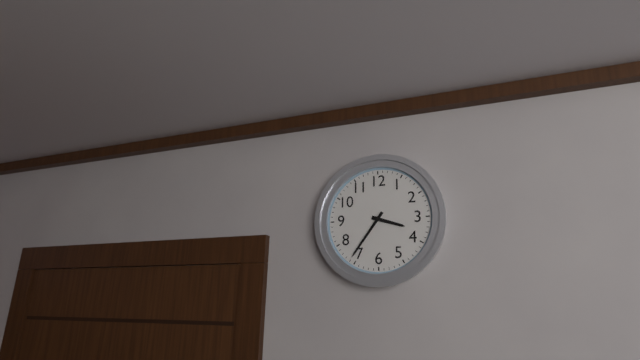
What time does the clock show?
3:36
